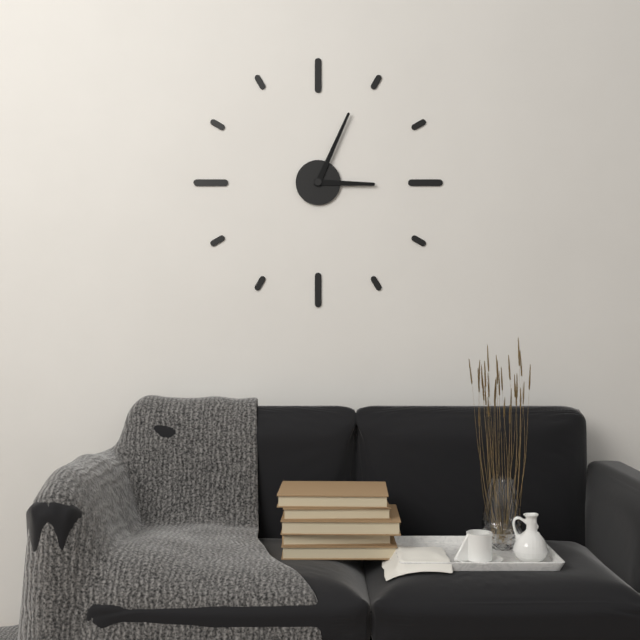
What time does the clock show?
3:04
